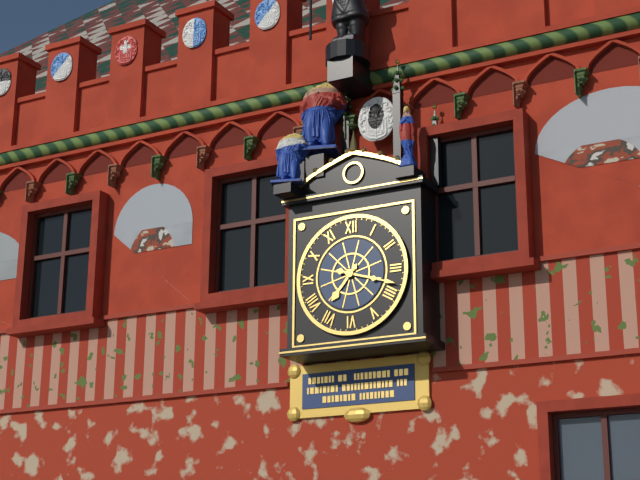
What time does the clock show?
7:18
